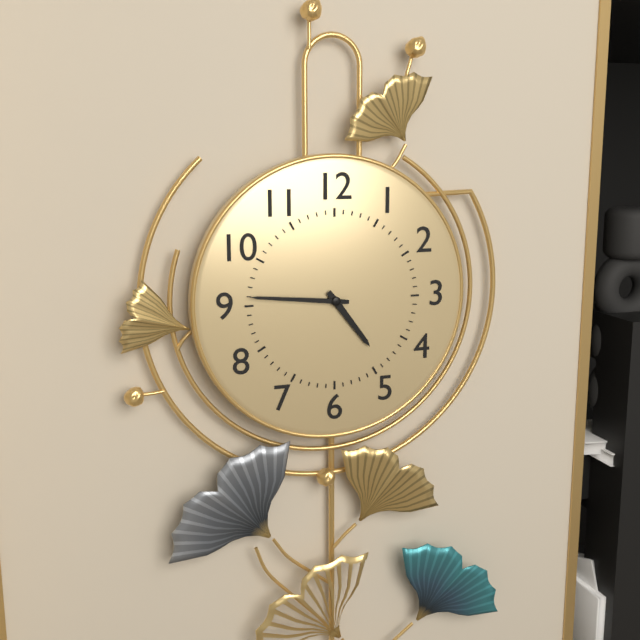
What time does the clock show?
4:46
